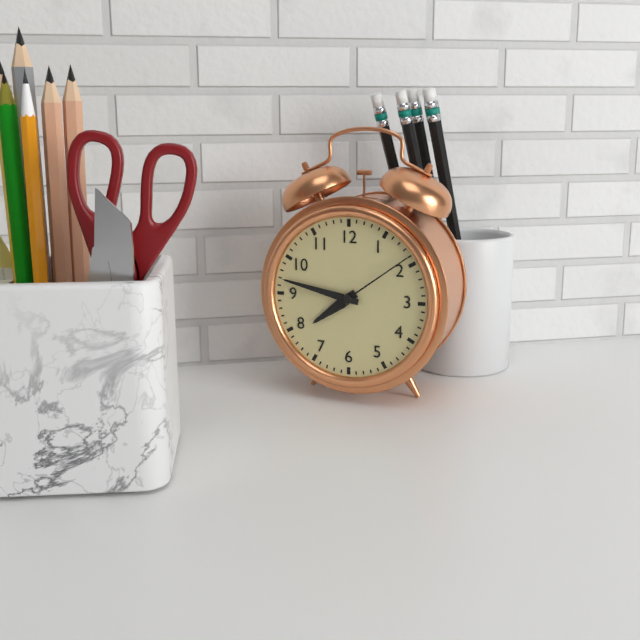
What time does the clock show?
7:47:09
